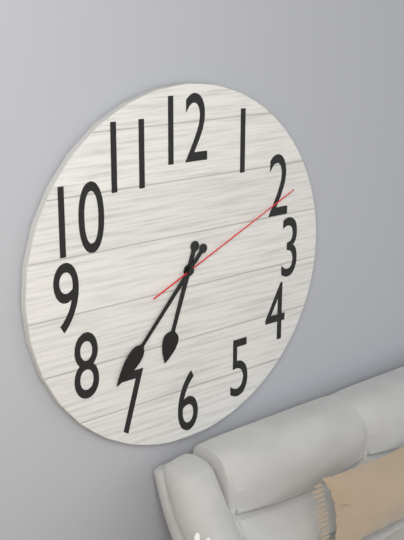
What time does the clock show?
6:37:11
